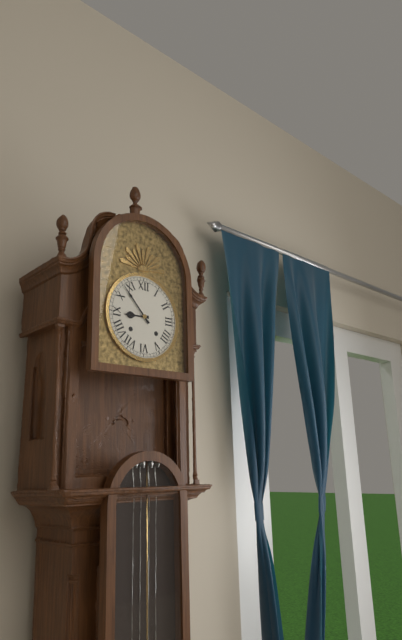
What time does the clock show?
8:53
